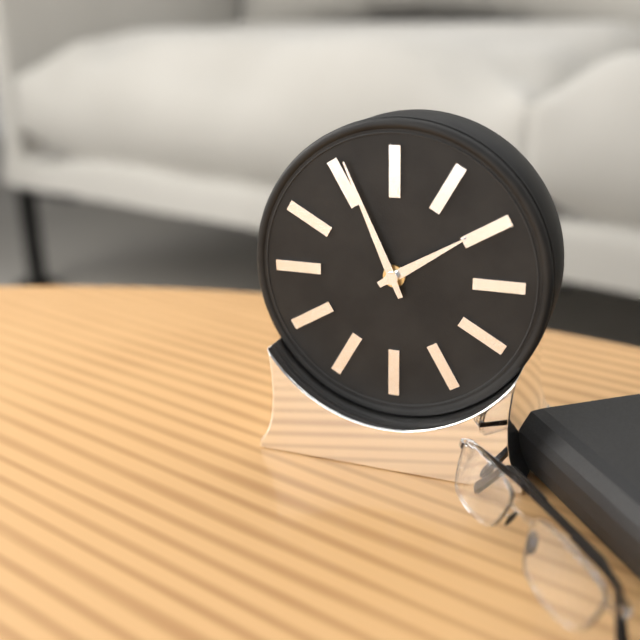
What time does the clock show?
1:56
